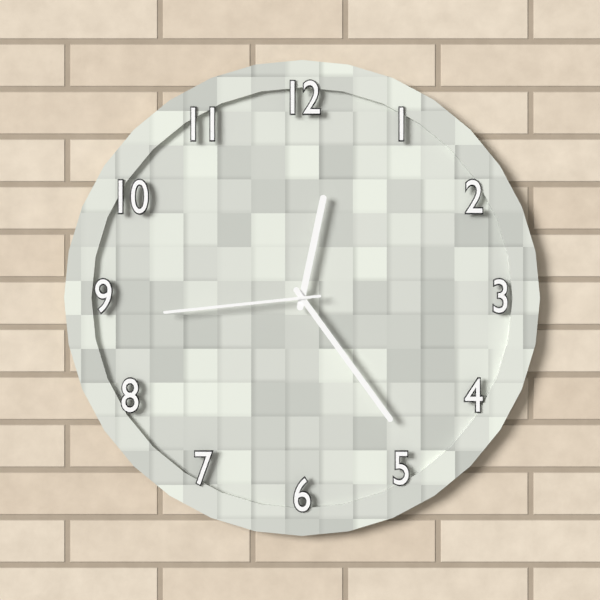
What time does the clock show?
12:24:44
